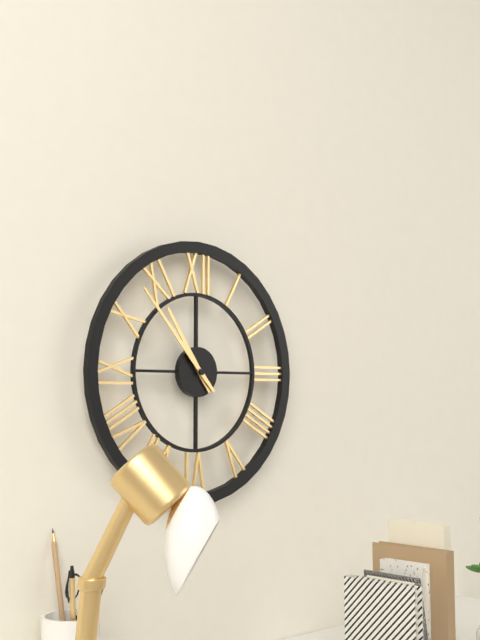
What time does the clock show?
10:53
